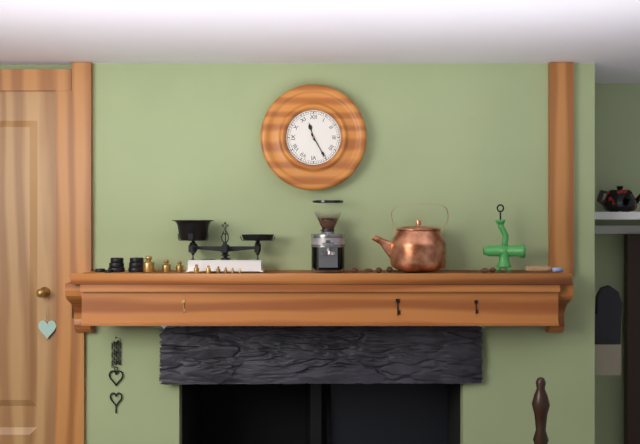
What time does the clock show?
11:25
